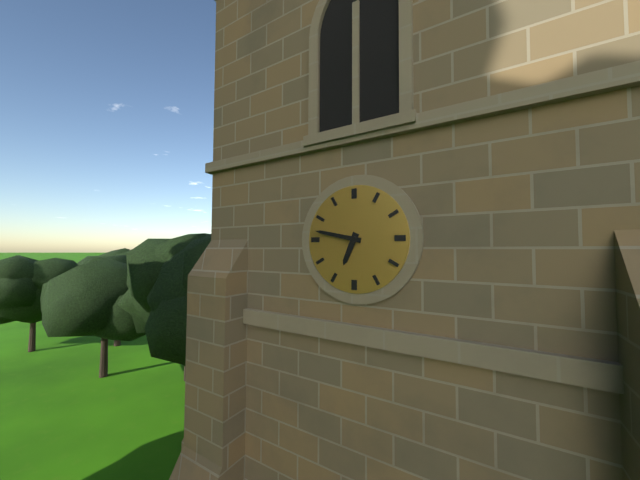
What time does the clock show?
6:47
